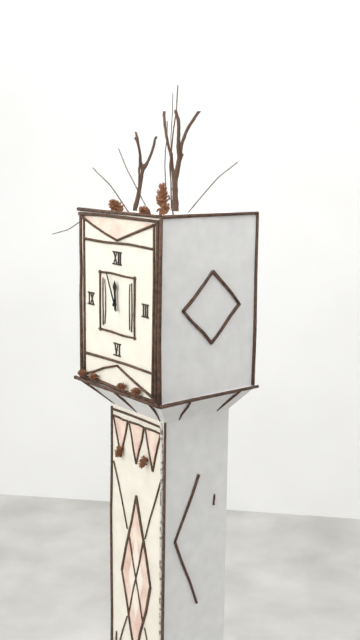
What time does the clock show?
11:56
